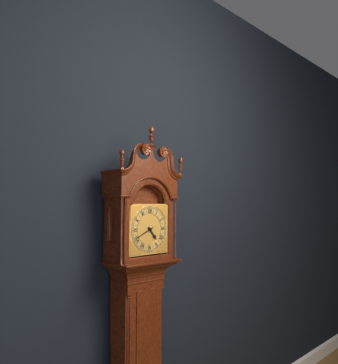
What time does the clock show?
4:41
